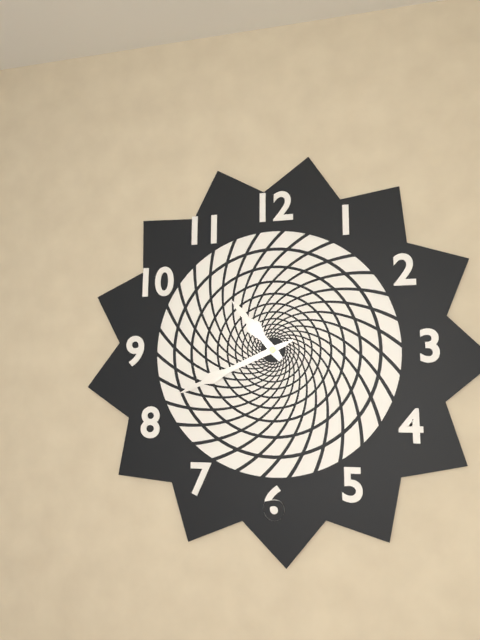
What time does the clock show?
10:41:41
